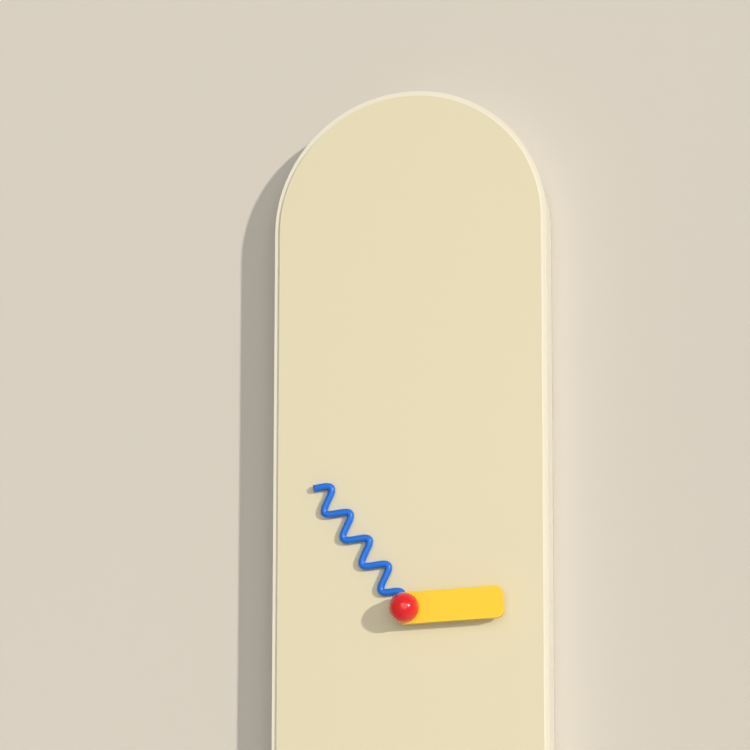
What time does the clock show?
2:54
